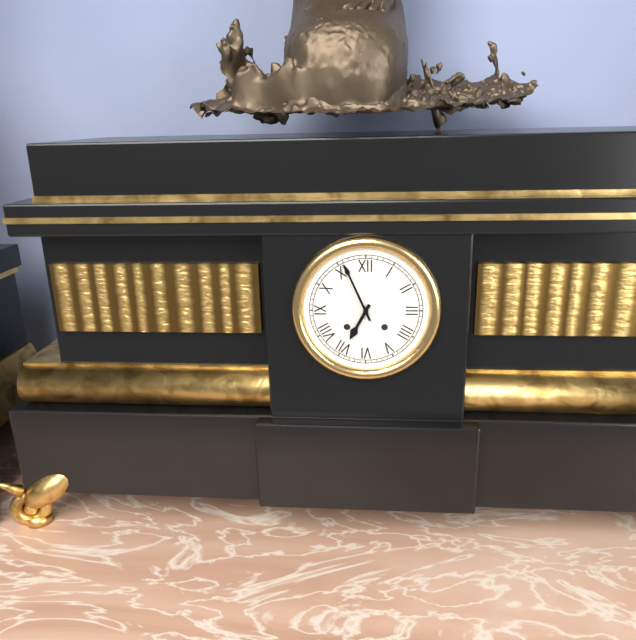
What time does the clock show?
6:56
